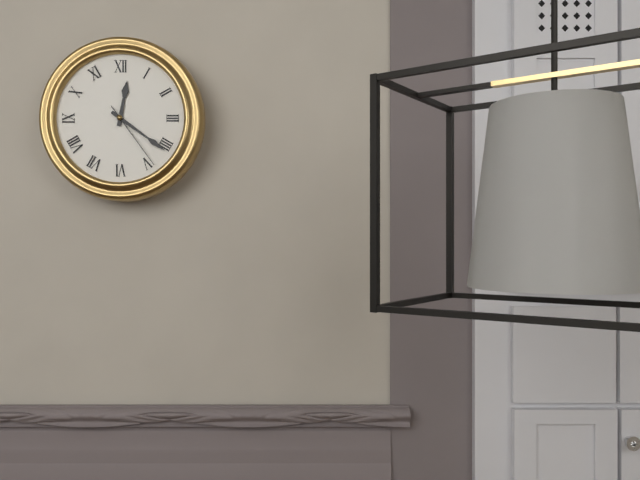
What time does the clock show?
12:21:24
